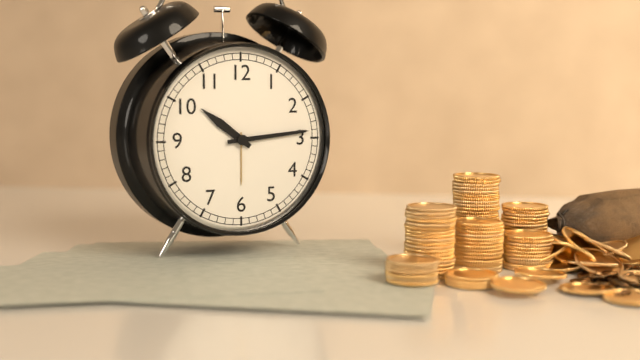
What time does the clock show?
10:14
